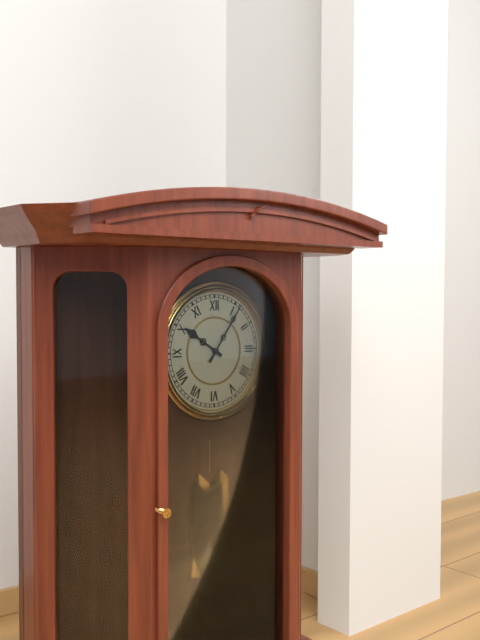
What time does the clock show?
10:06
